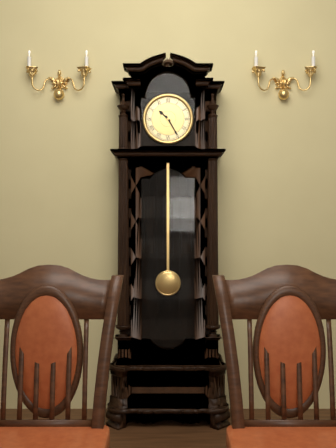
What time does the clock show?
10:25
